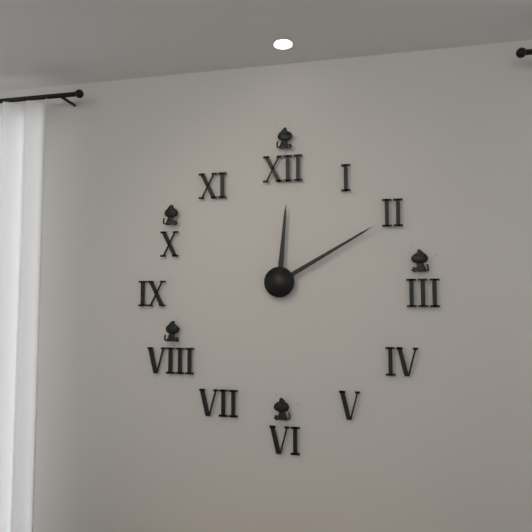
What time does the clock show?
12:10
